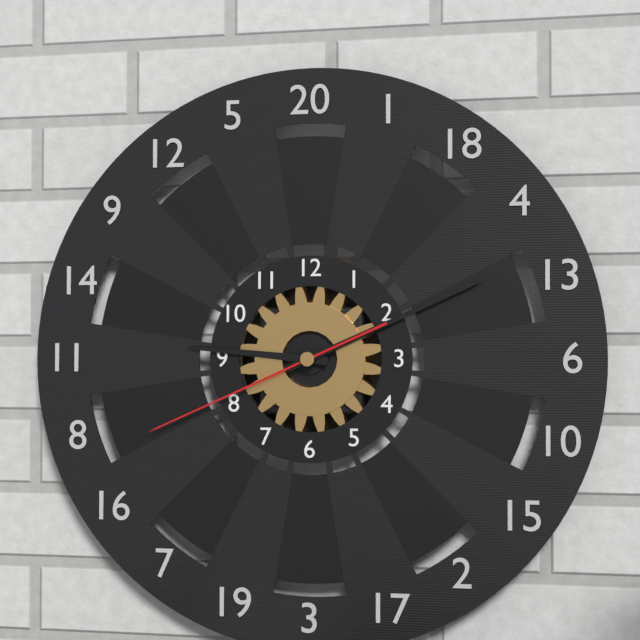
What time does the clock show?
9:11:41
